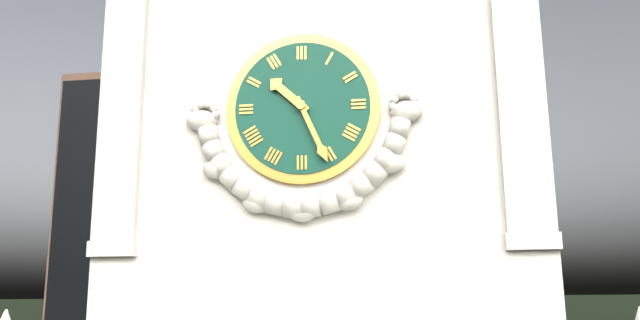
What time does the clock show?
10:26
